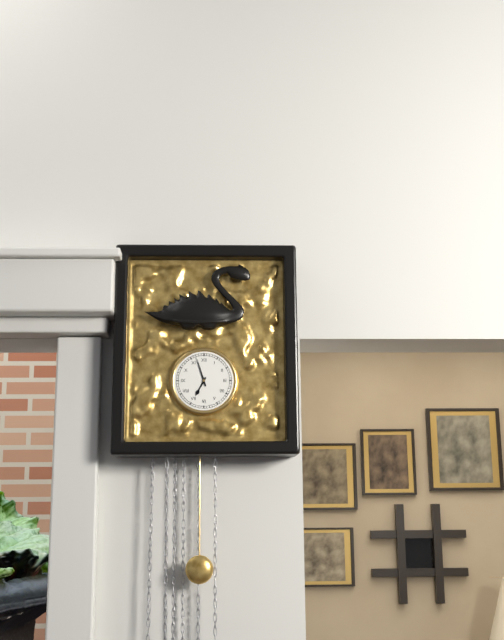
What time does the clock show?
6:57
